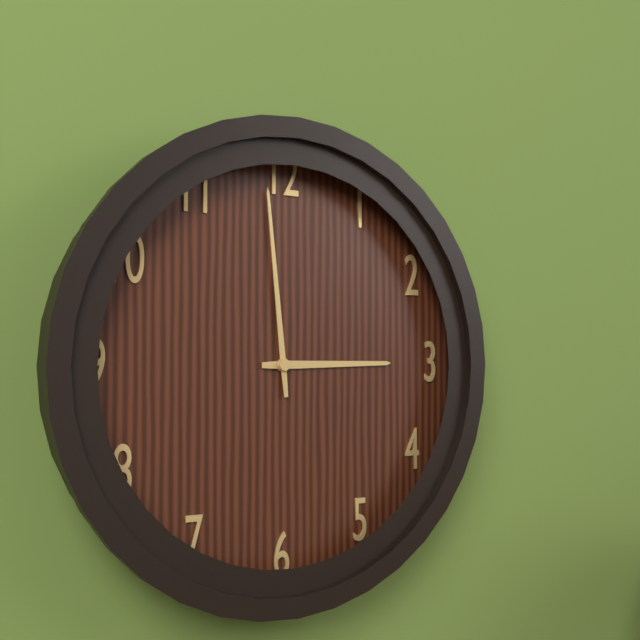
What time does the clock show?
2:59
